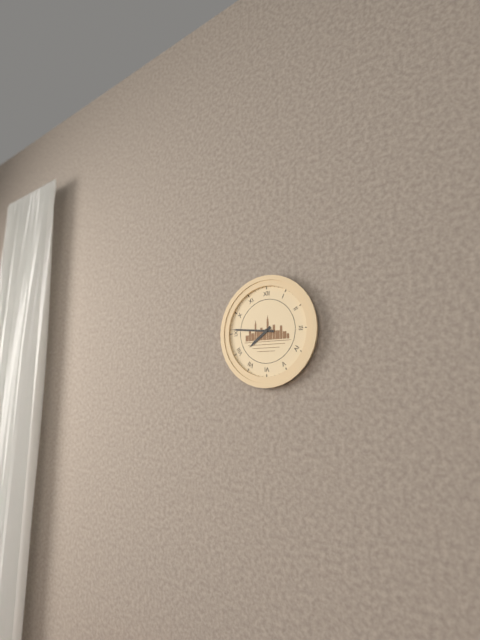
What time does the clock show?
7:46
